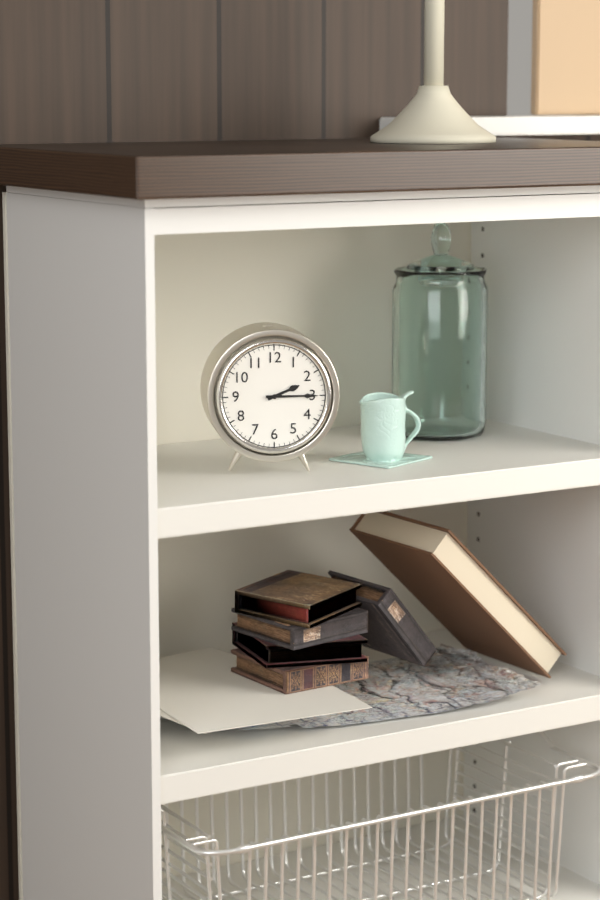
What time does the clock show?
2:15
